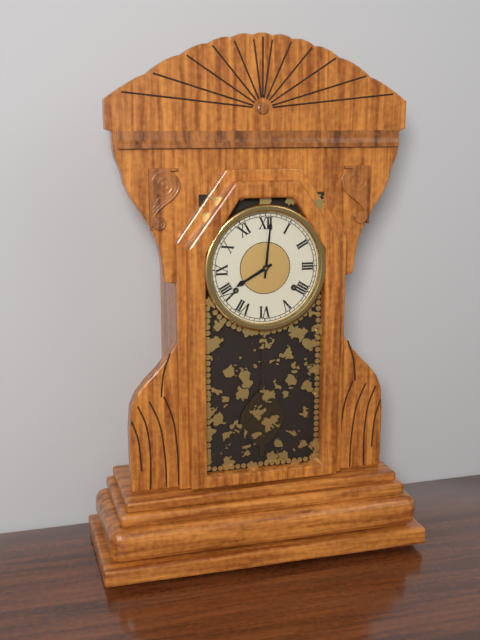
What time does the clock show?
8:01
